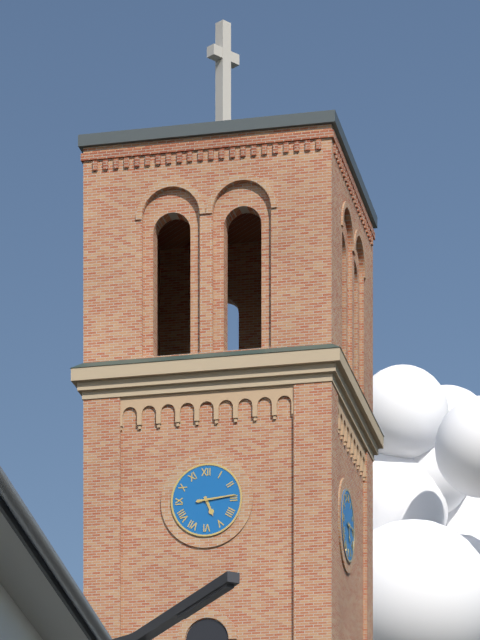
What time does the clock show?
5:14
